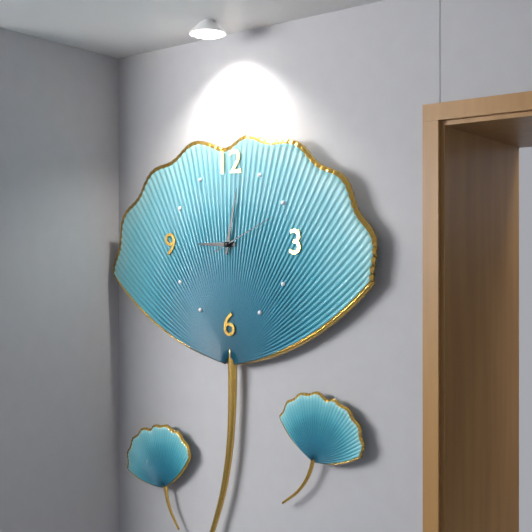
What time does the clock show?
9:02:11
